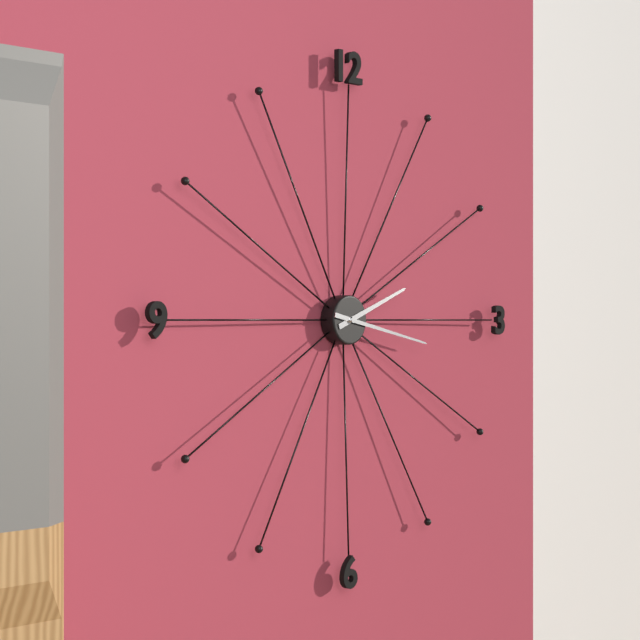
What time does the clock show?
2:17
